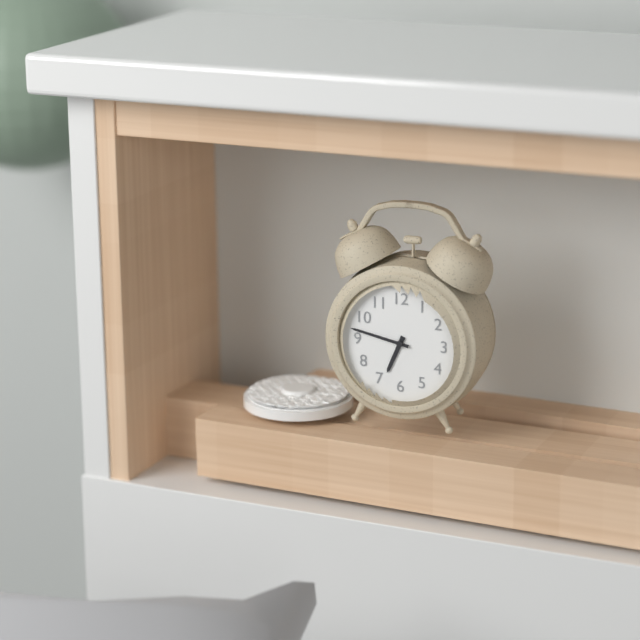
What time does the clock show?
6:47
